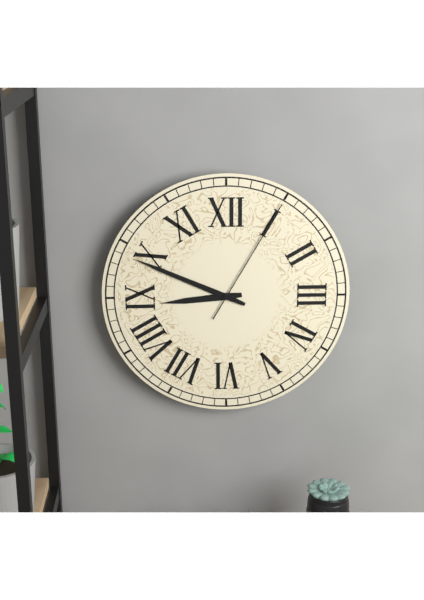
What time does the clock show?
8:49:05
